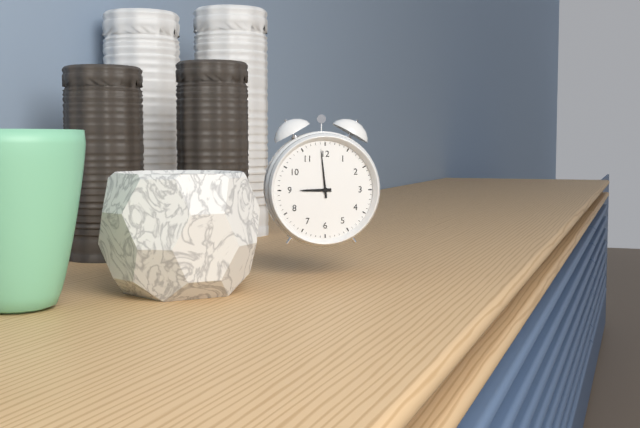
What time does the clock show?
8:59
